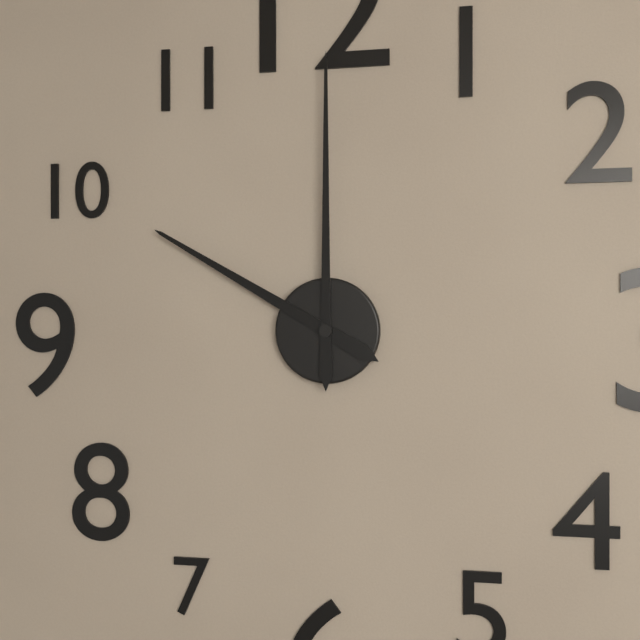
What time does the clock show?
10:00
